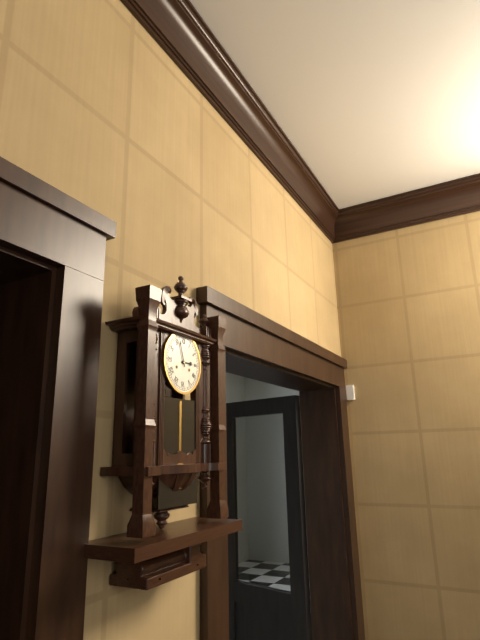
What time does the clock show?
2:57
